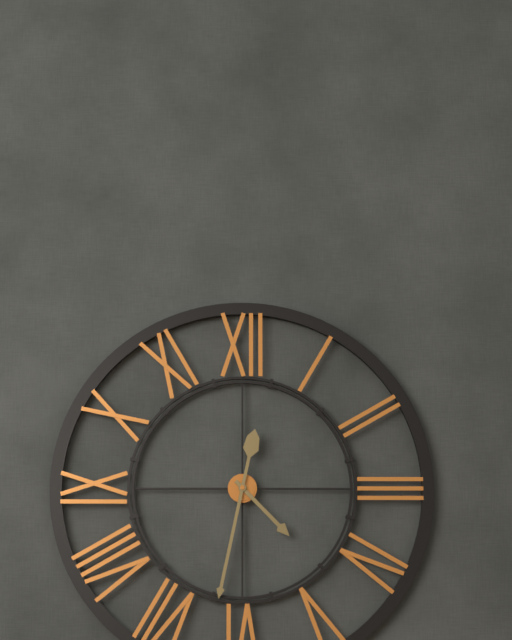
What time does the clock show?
4:32
